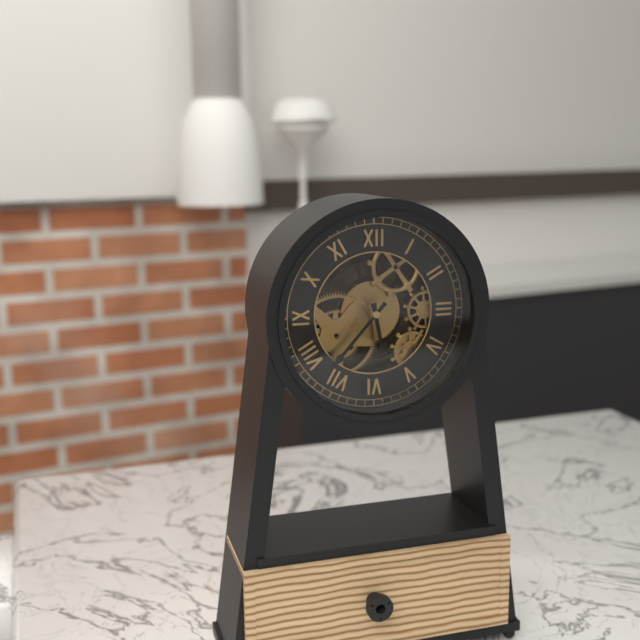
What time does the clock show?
5:37
